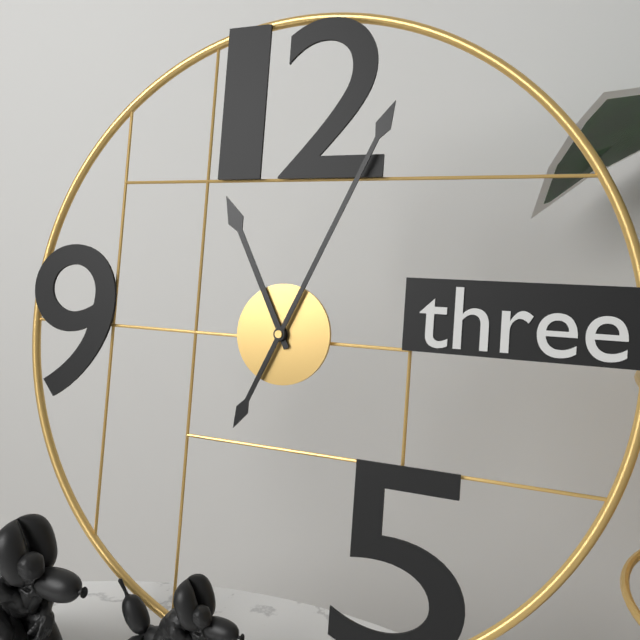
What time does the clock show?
11:04
